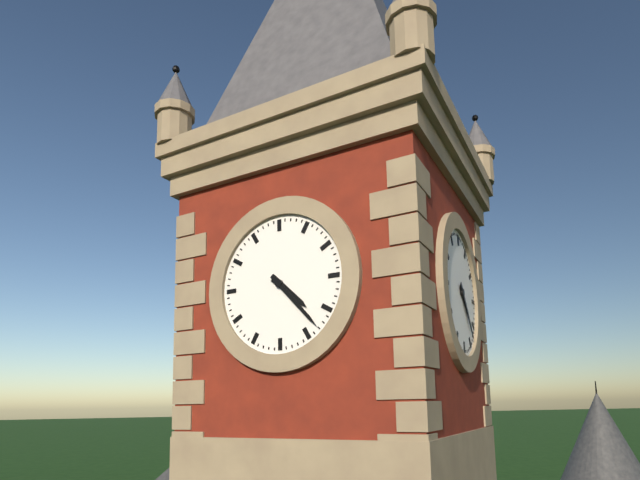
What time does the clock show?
4:23
